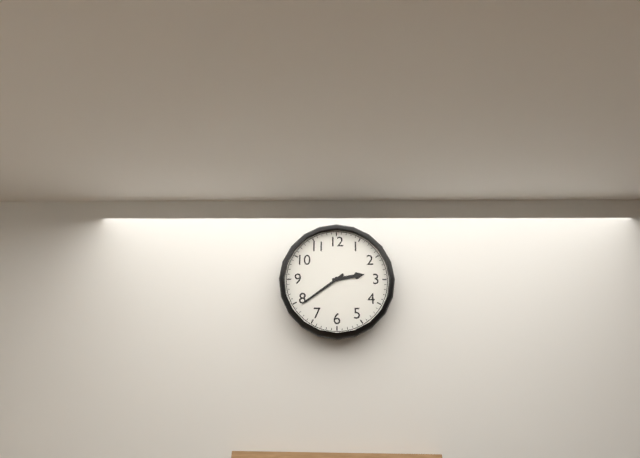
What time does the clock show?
2:39
